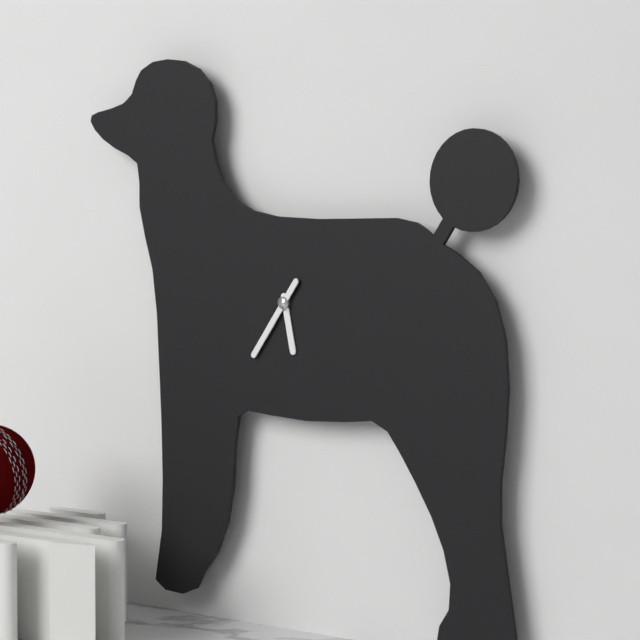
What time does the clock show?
5:36
